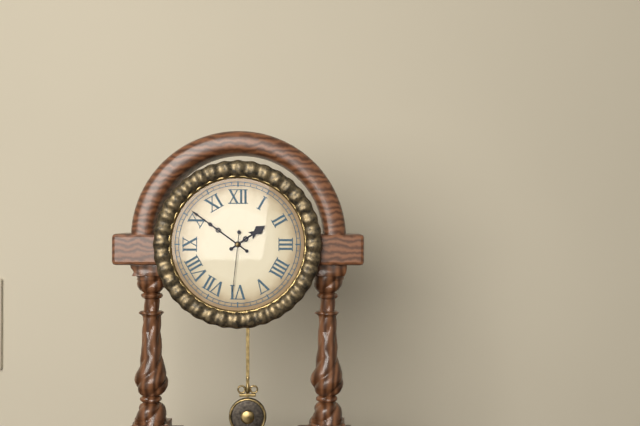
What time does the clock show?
1:51:31
